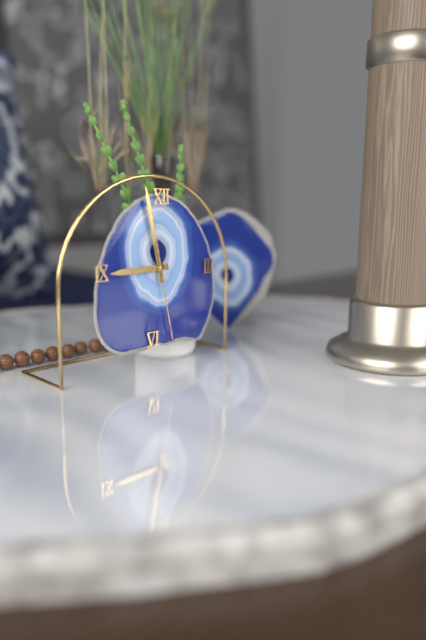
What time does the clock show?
8:58:28
